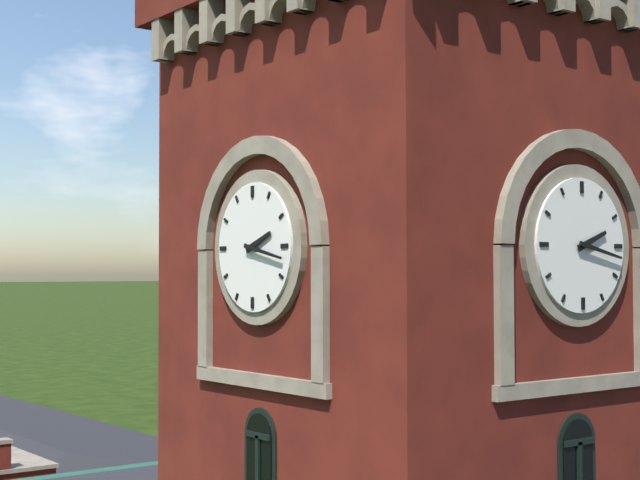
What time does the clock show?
2:17
